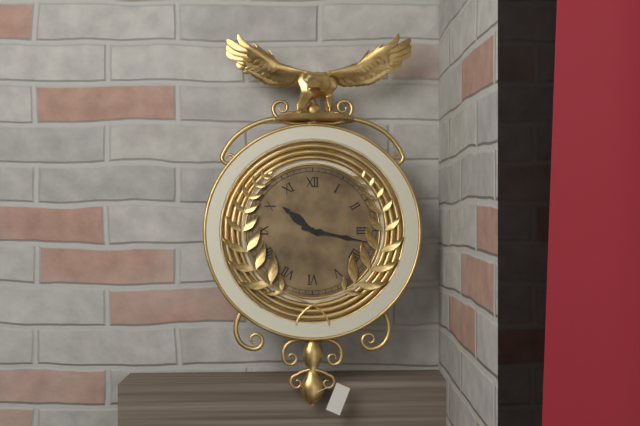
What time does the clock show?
10:17
